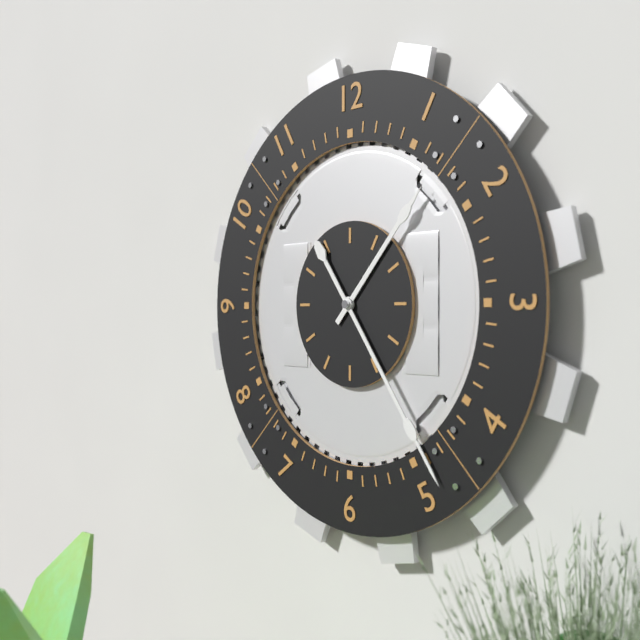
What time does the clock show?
1:24
